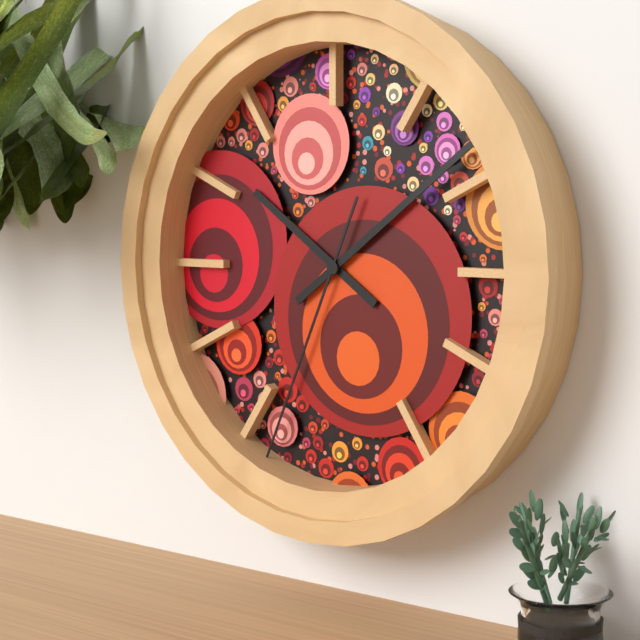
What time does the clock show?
10:09:34
